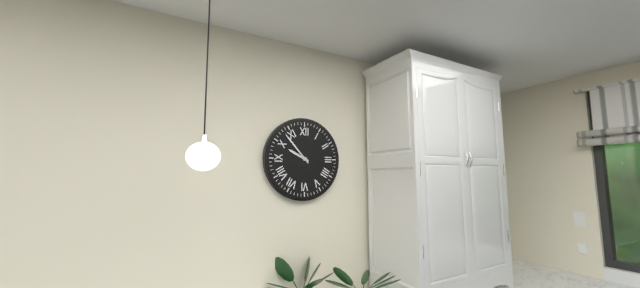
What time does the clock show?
9:53
